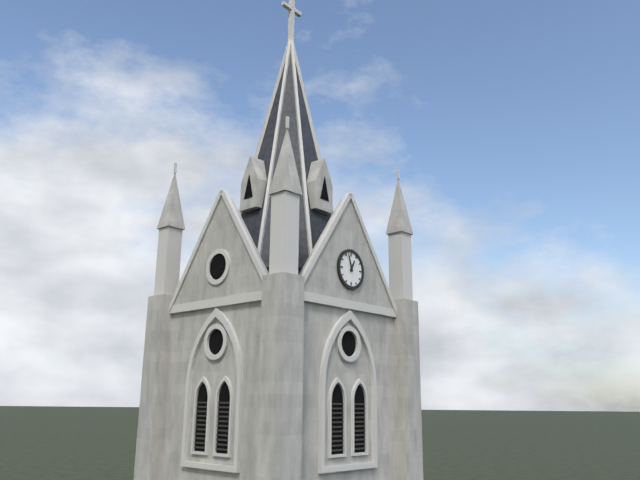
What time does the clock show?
12:57
